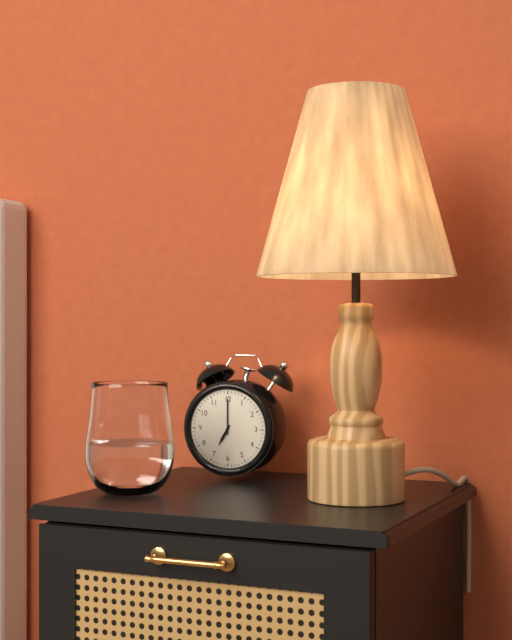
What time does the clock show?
7:00
